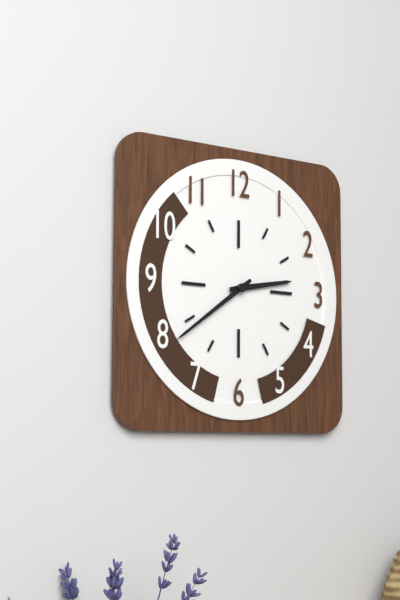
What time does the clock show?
2:39
